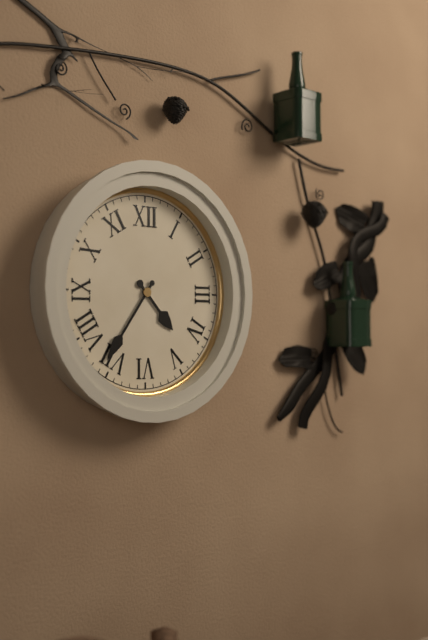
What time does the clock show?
4:36
